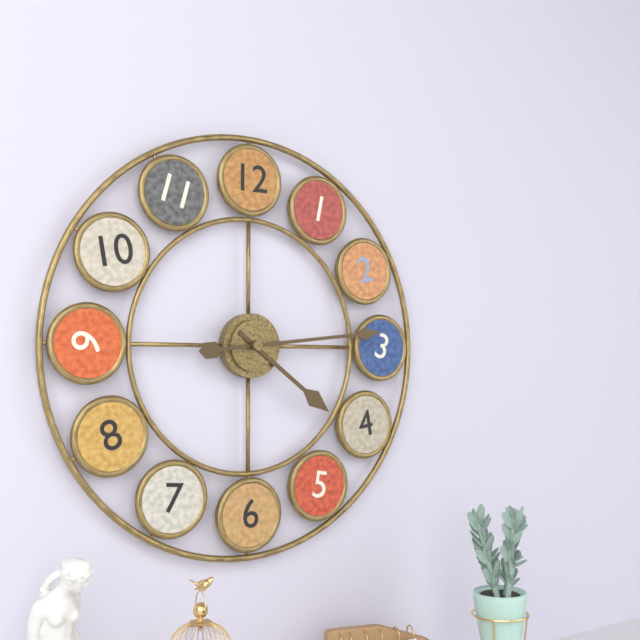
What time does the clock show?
4:14
